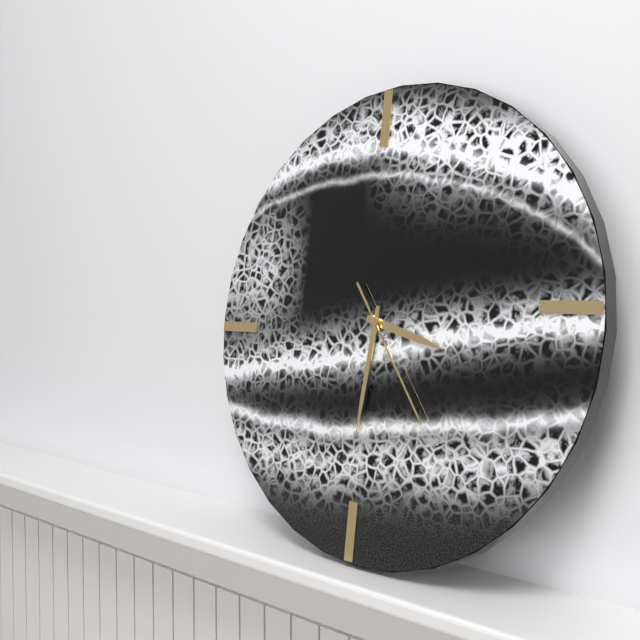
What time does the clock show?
3:31:24
